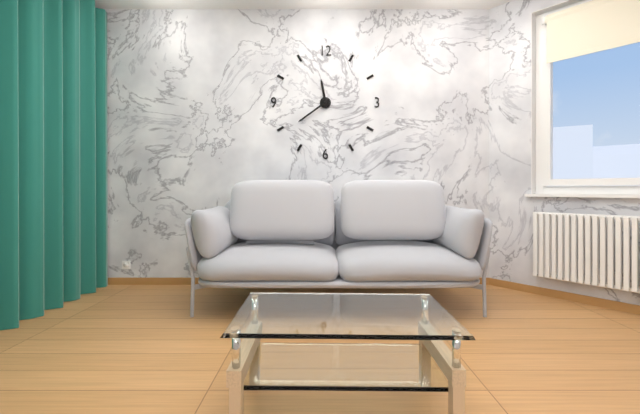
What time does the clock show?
11:39
